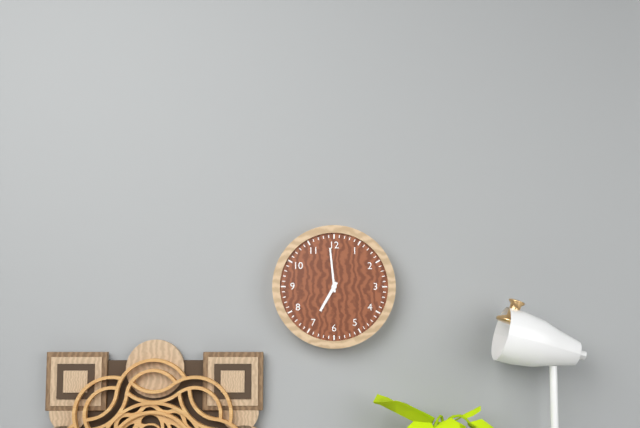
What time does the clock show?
6:59
